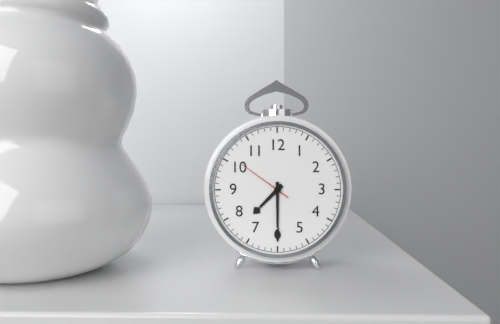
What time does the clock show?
7:30:51
